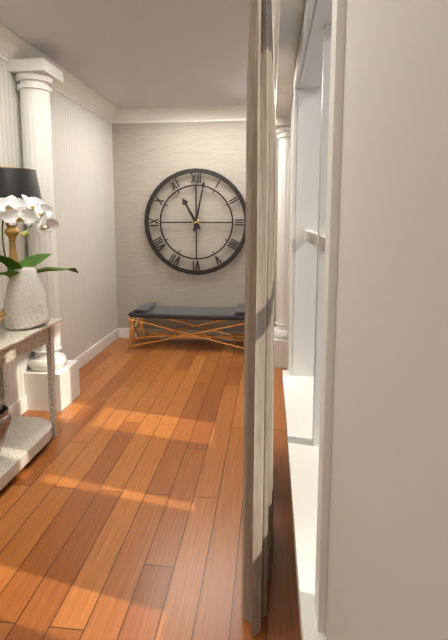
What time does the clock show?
11:02
